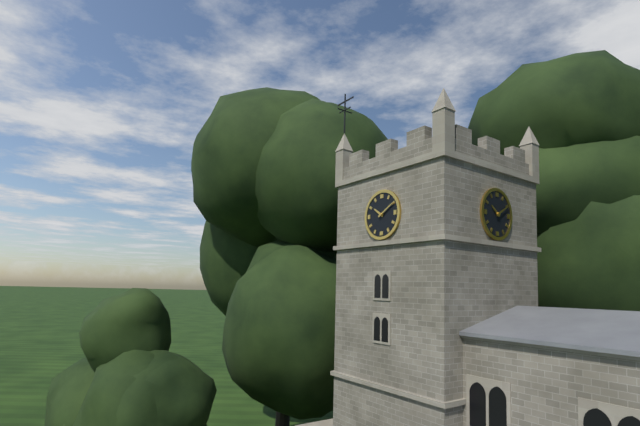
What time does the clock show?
10:10
